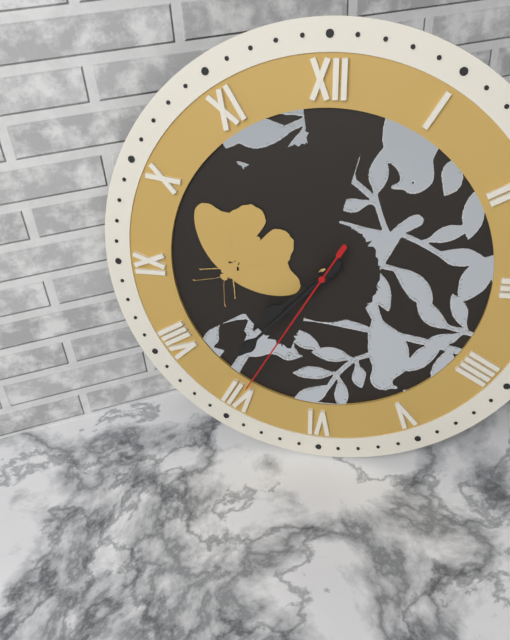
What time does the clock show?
7:37:35
